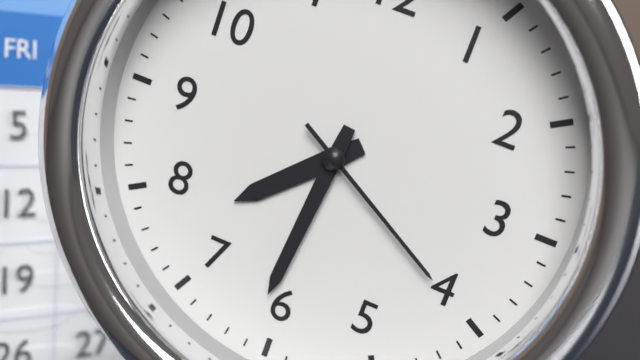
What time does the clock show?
7:31:20
